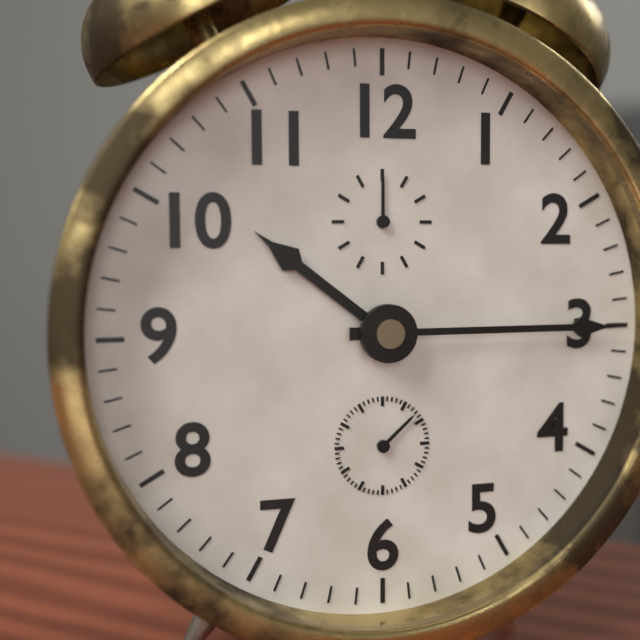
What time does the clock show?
10:15
